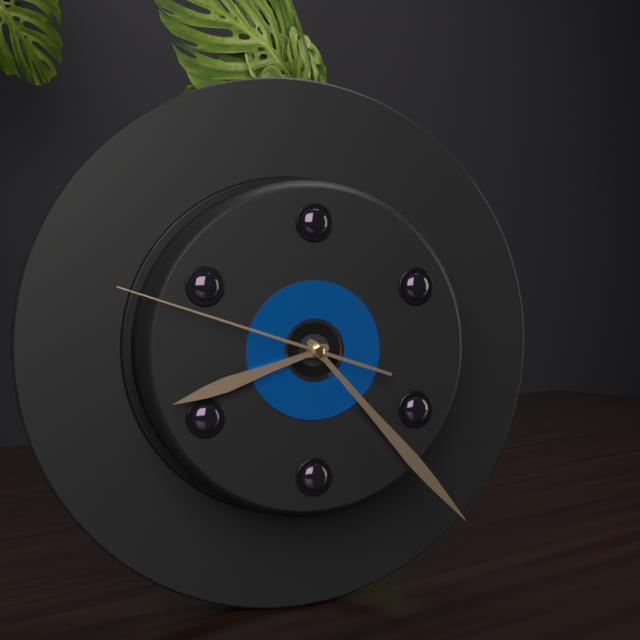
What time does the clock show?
8:23:48
